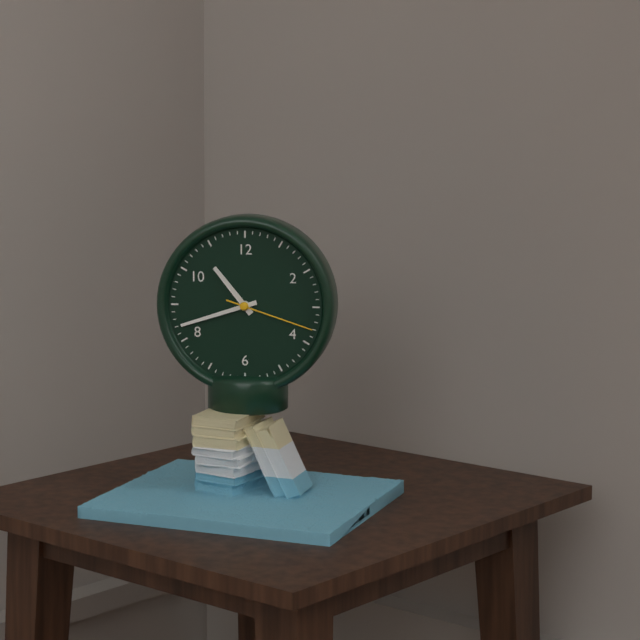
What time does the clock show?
10:42:18
